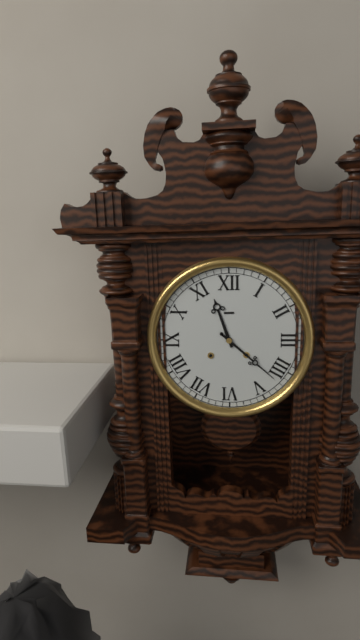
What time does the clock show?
11:22
